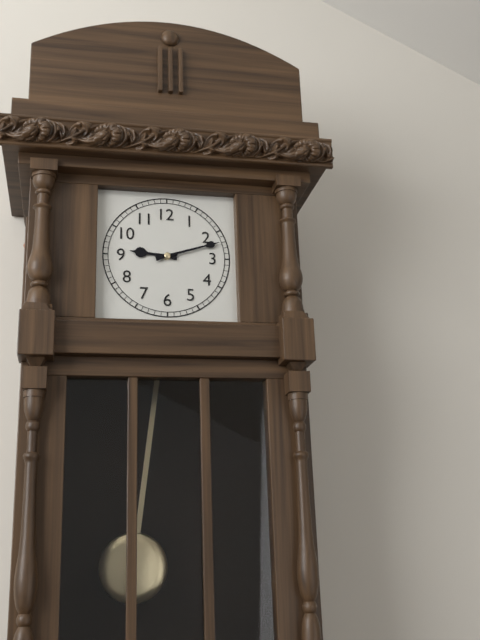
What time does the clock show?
9:12
